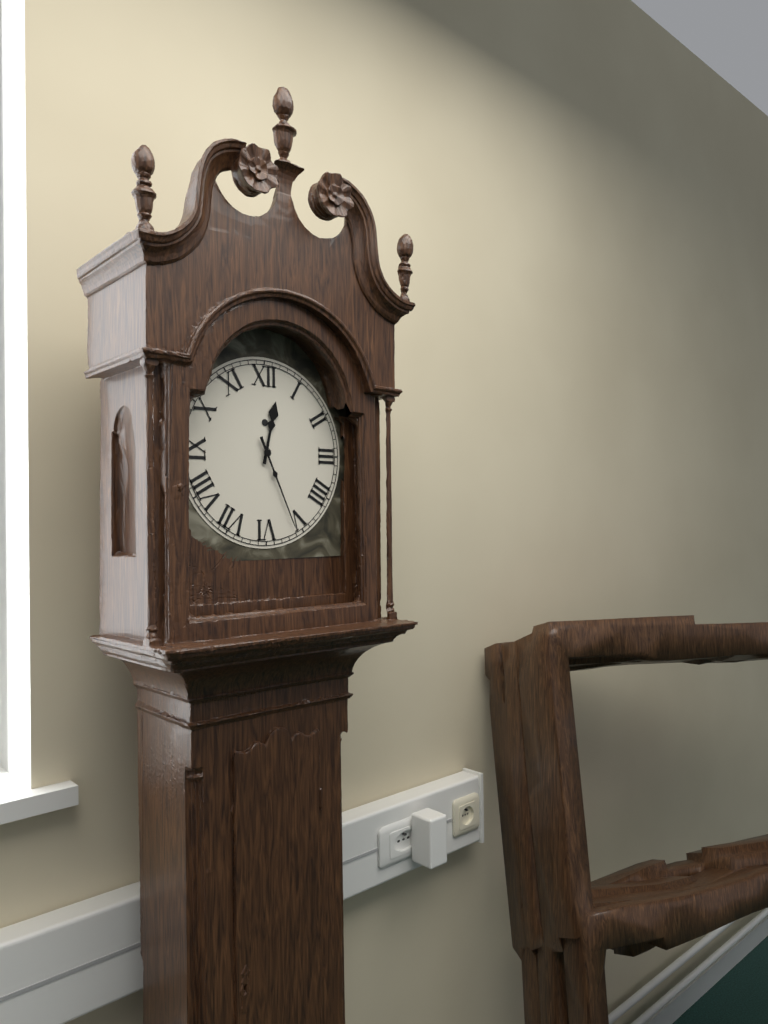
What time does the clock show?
12:26
